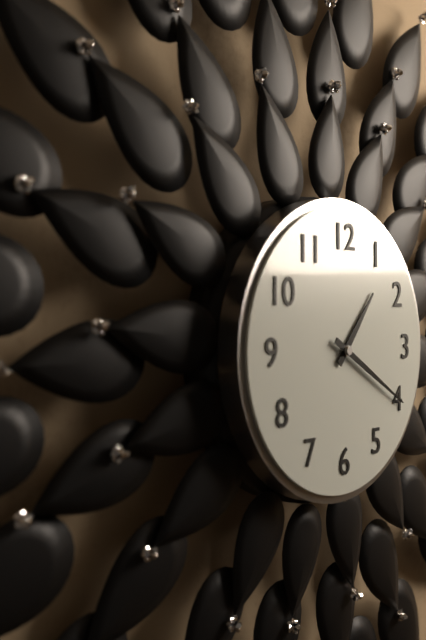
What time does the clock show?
1:20
